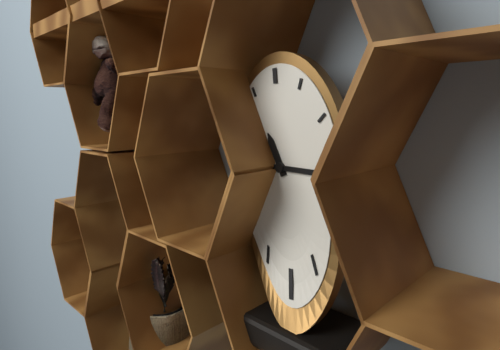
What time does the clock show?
11:16
